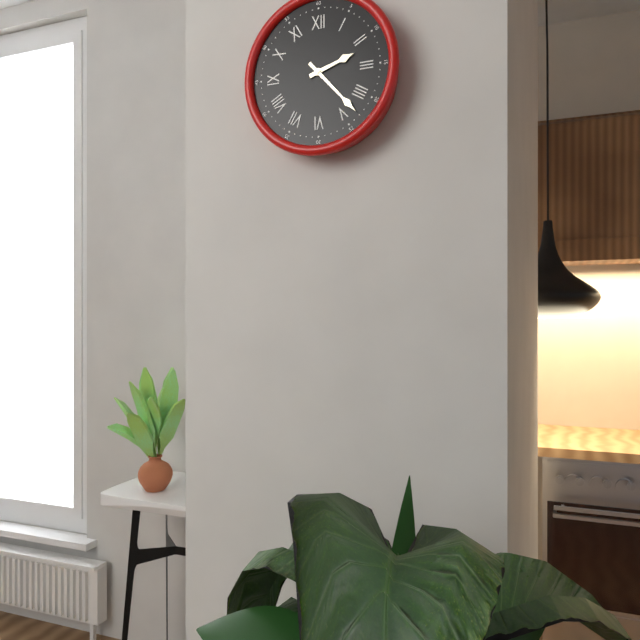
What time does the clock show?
2:23
